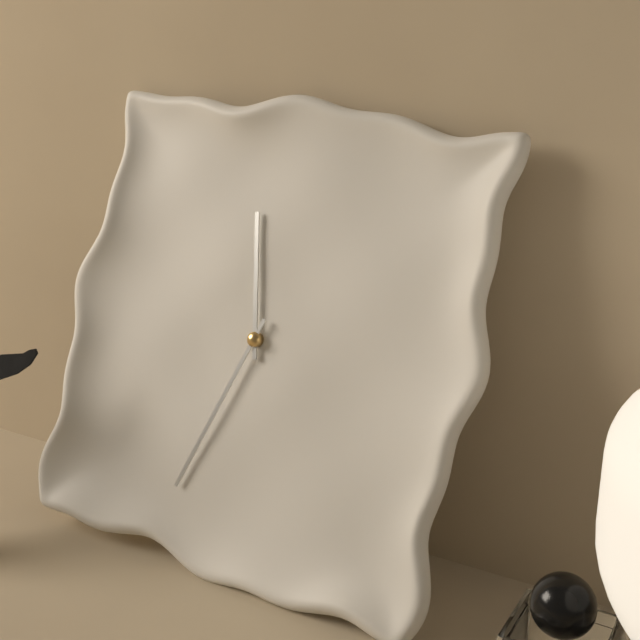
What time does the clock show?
11:33
